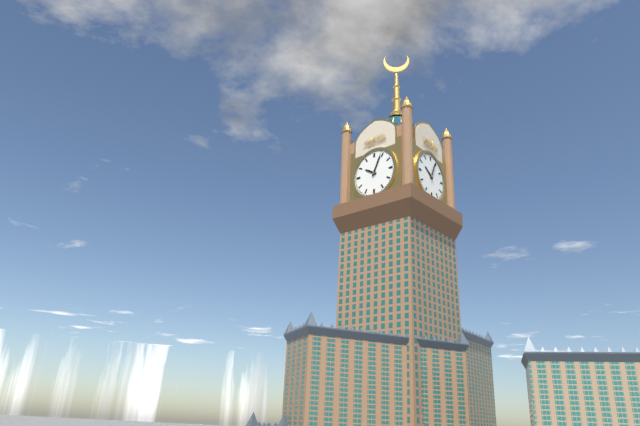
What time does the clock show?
10:04
